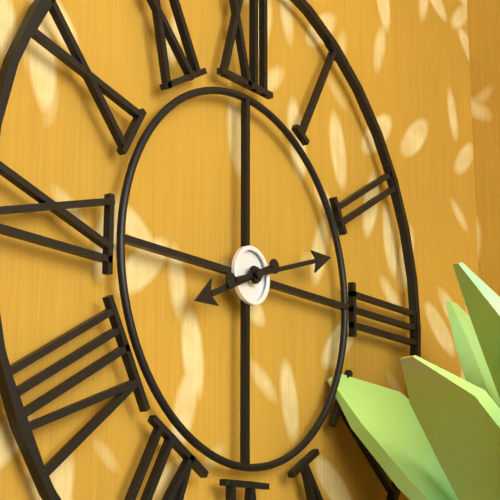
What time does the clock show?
8:12
